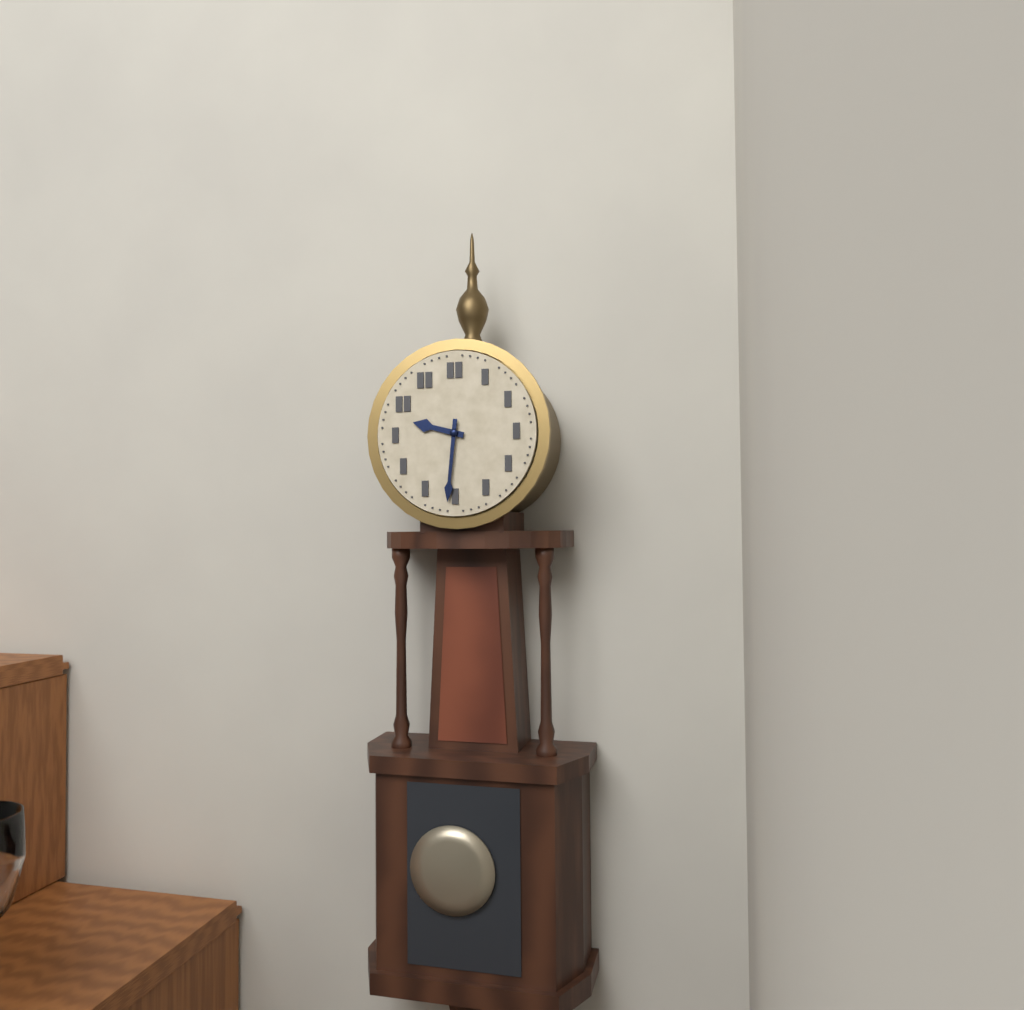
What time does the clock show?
9:31
